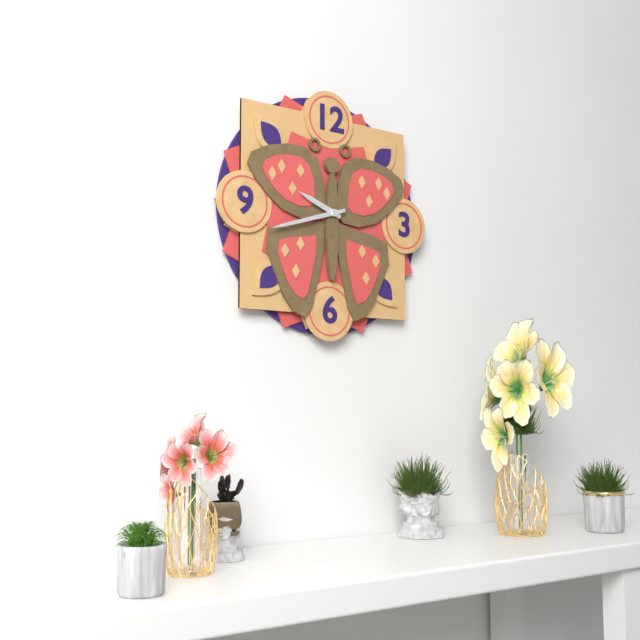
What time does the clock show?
9:42
